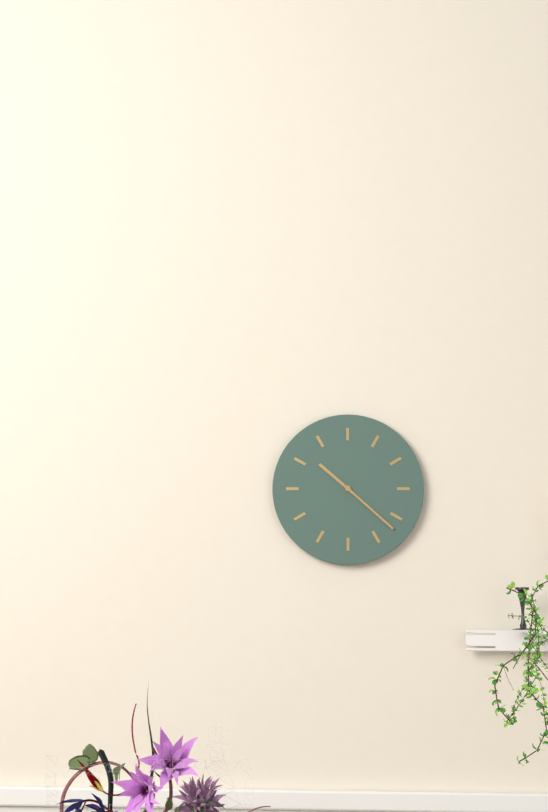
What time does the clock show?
10:22
